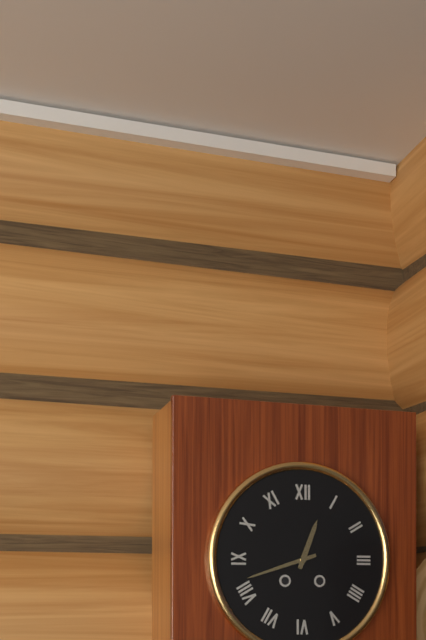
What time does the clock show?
12:42
